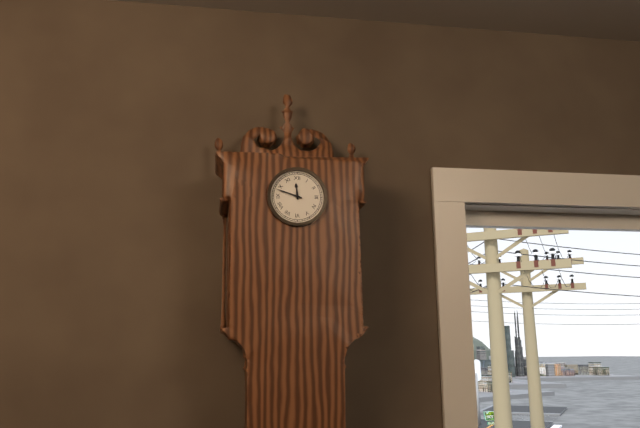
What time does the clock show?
11:48
